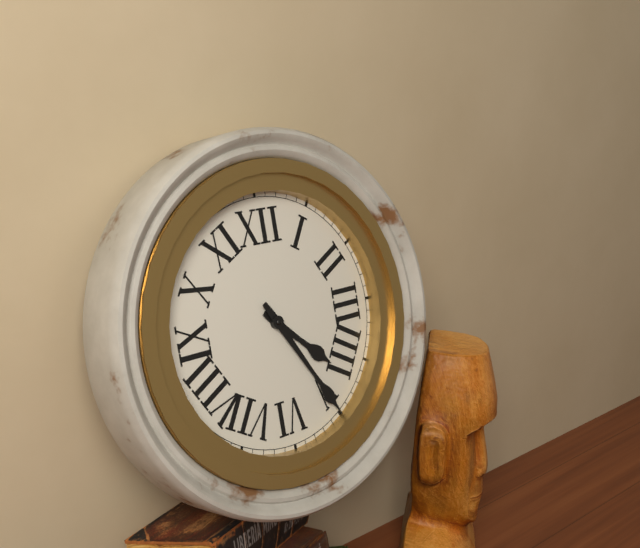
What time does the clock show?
4:25
